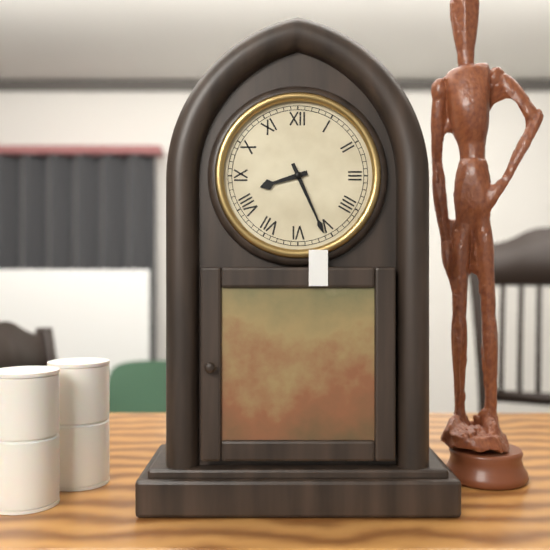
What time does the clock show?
8:26
